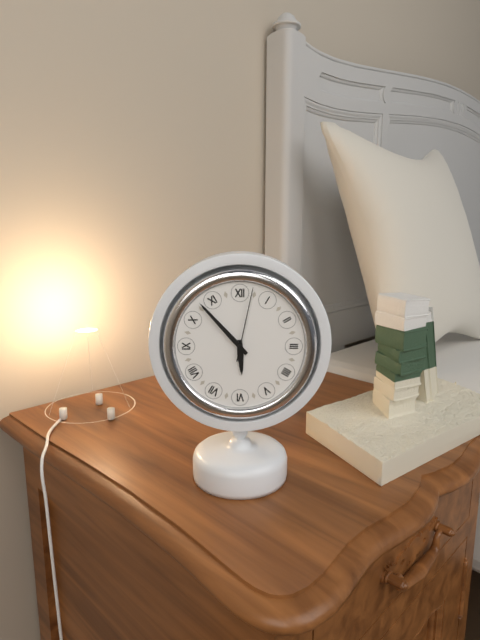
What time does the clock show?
5:53:02
